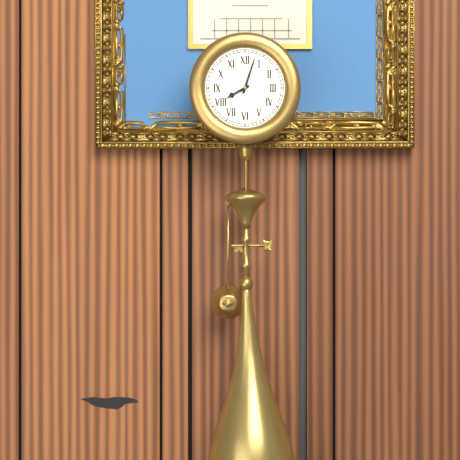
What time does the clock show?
8:03
